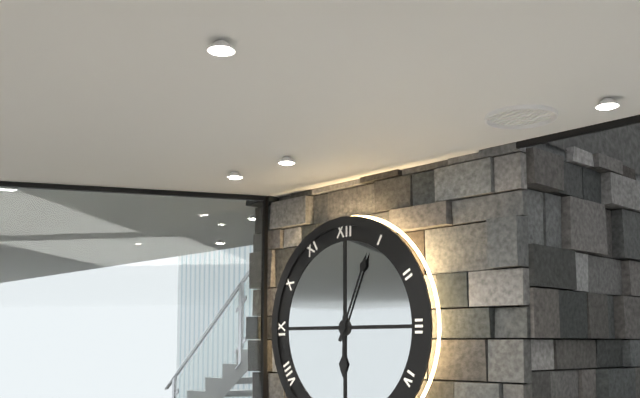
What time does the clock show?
6:04
